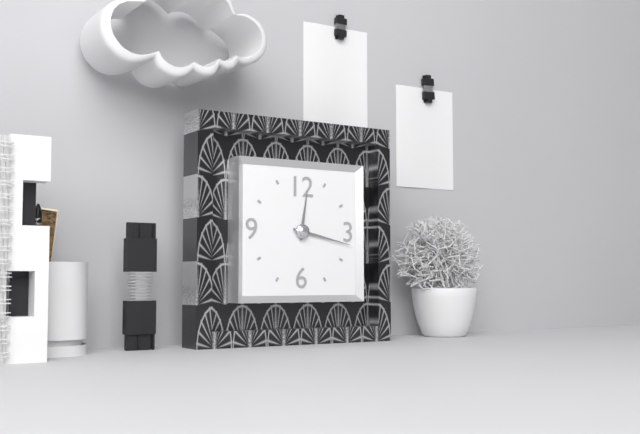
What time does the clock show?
12:17
